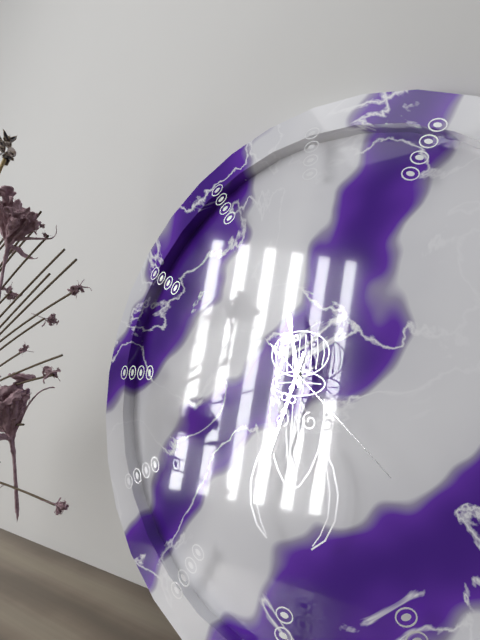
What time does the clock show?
11:33:22
